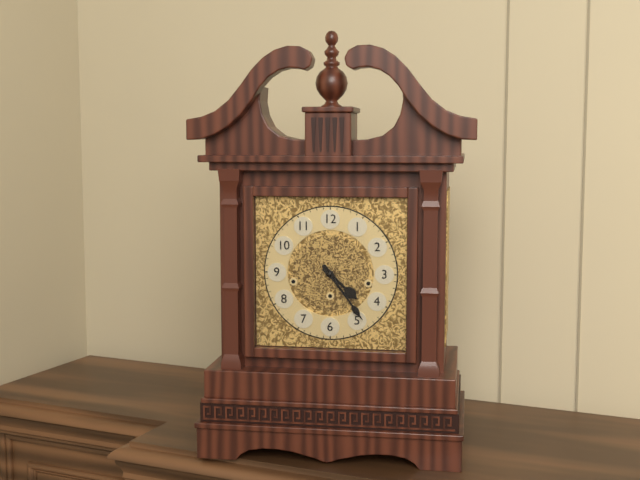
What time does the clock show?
4:24
